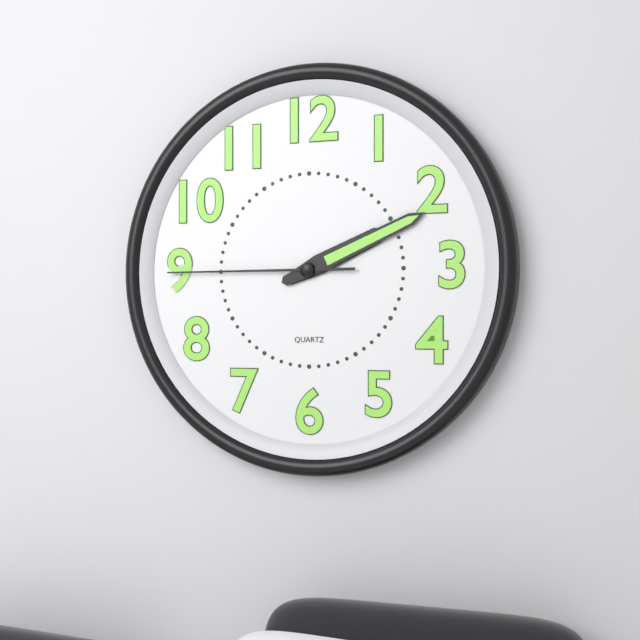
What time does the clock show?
2:11:45
